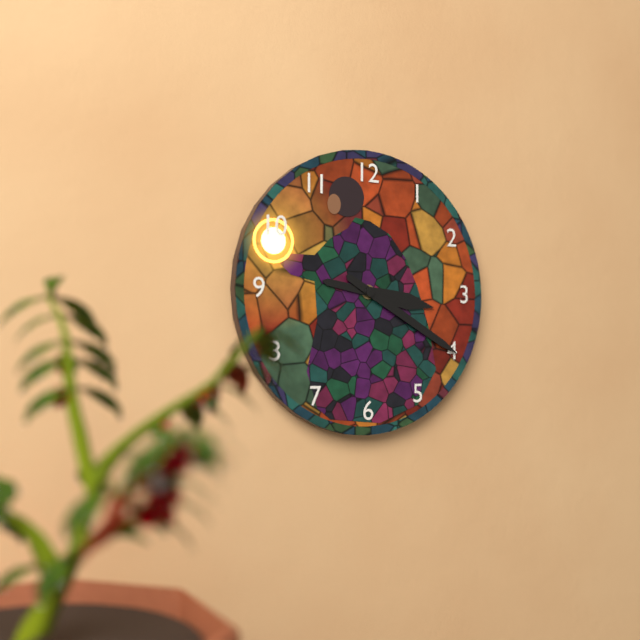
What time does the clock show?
3:20
